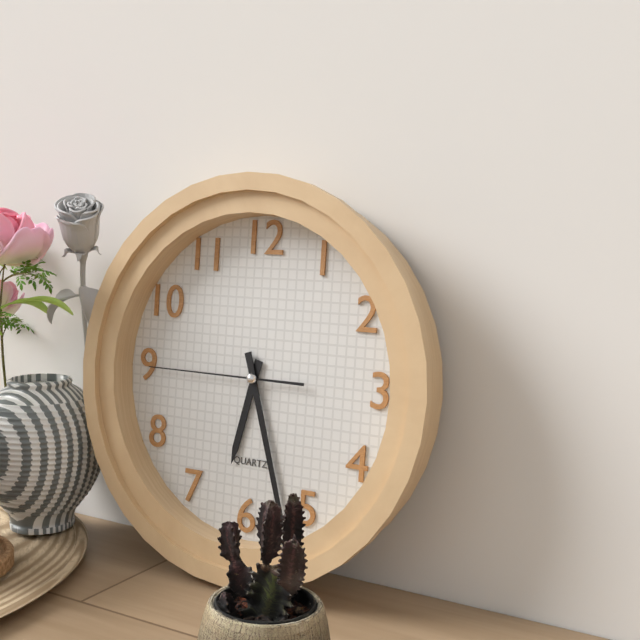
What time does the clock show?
6:27:45
